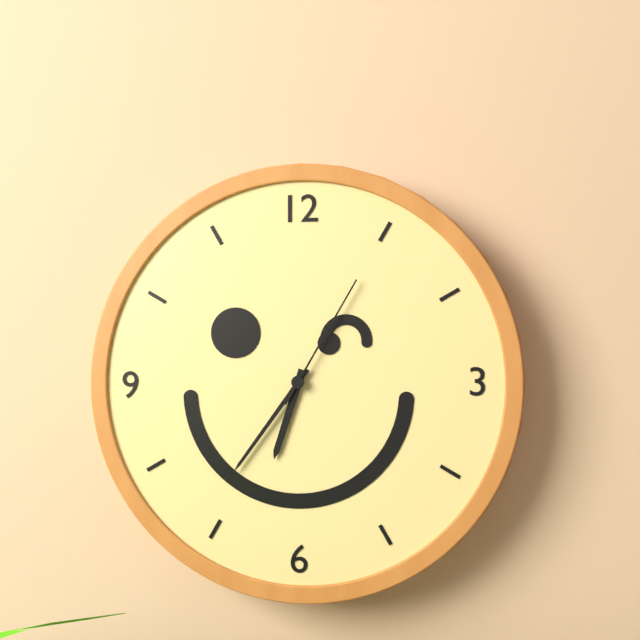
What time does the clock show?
6:36:05
